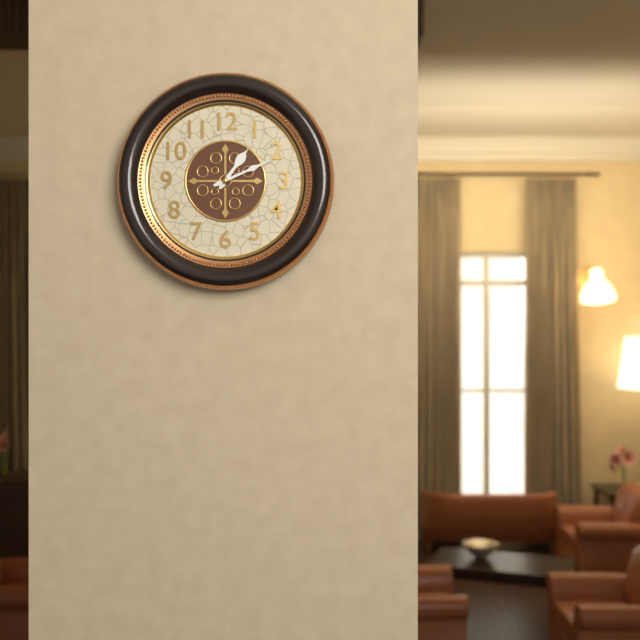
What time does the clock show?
1:11
